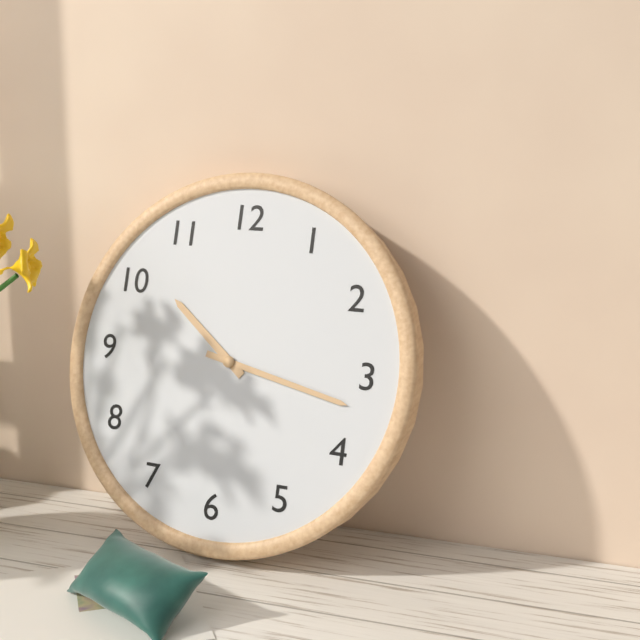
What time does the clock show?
10:17
